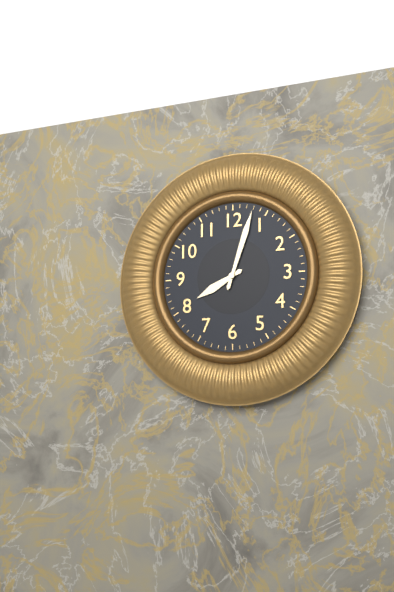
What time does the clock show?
8:03
